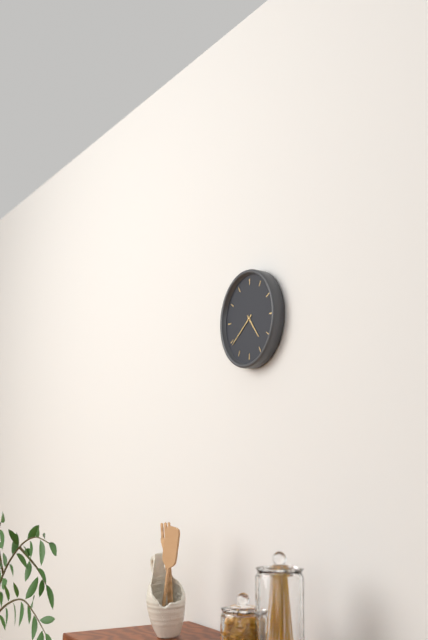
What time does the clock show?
4:39
